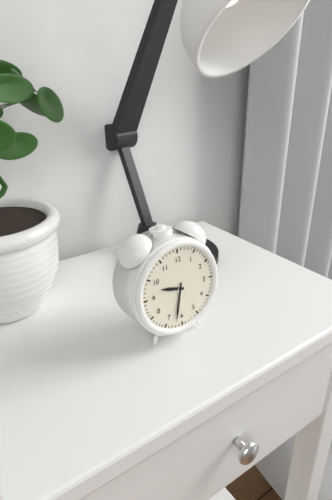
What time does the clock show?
9:32
